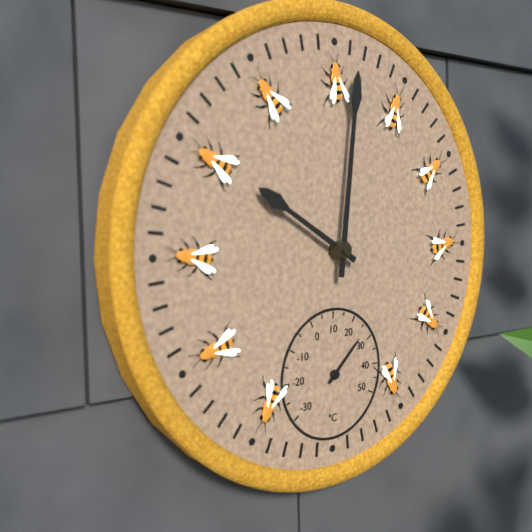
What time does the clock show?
10:01
